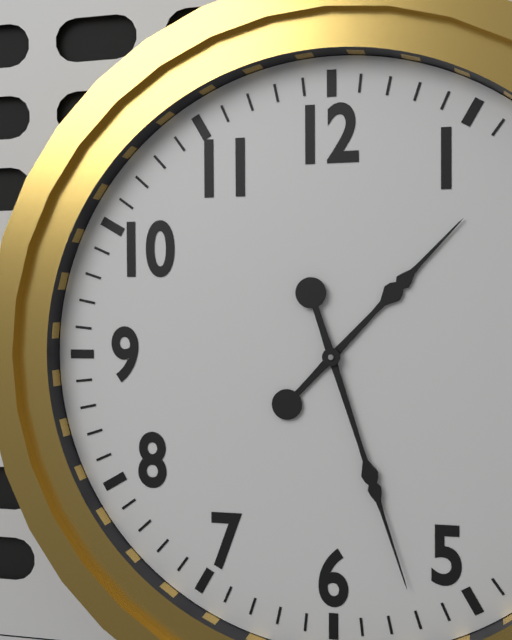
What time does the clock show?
1:27
